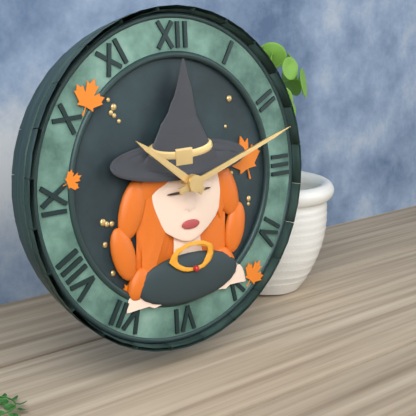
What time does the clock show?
10:12
